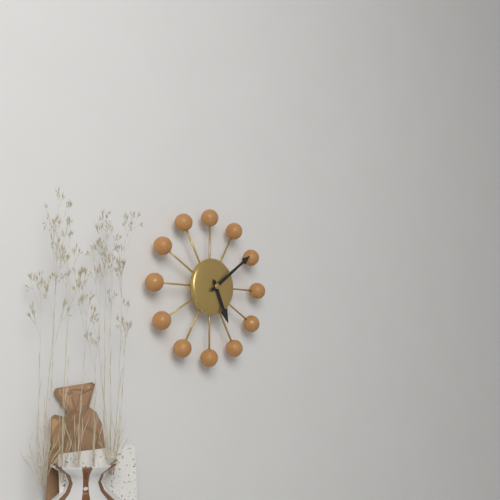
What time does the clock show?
5:09
